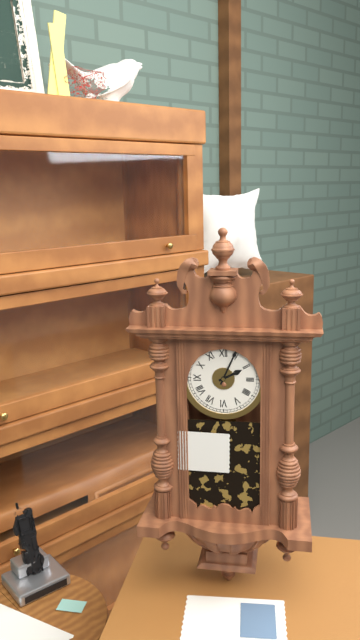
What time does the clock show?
2:04
